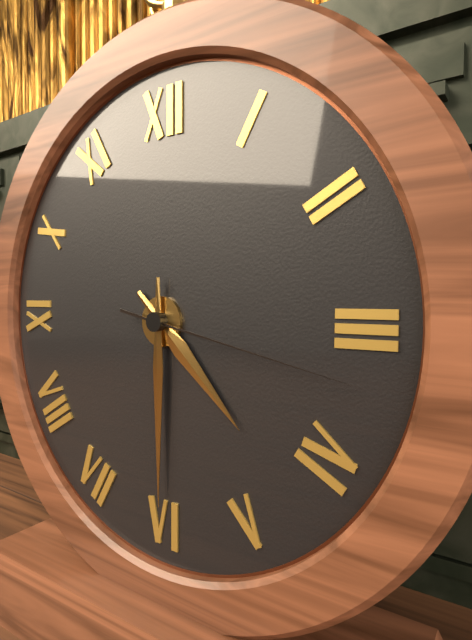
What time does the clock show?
4:30:17
